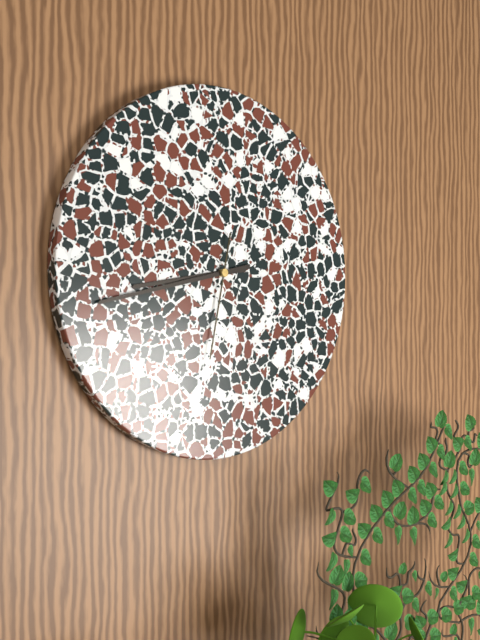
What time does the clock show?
8:43:32
